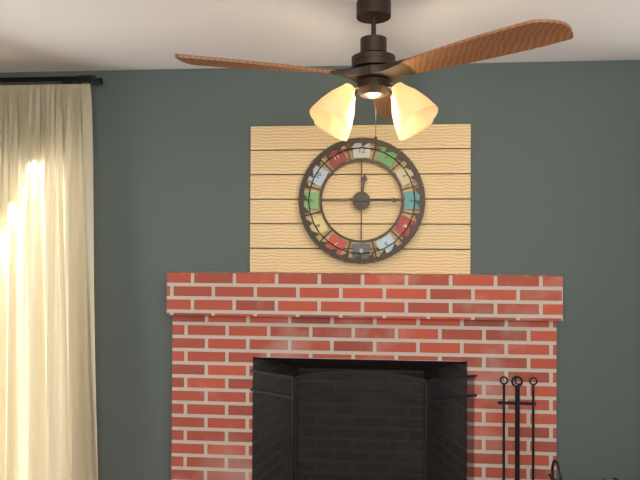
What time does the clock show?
12:15
